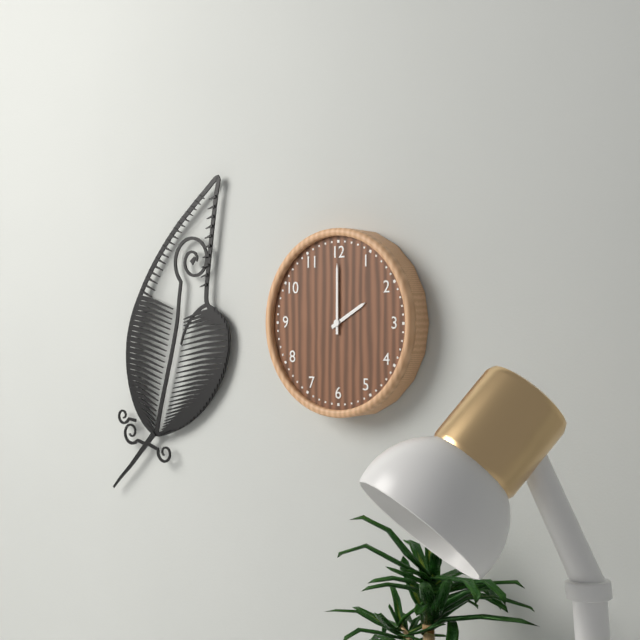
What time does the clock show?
2:00
